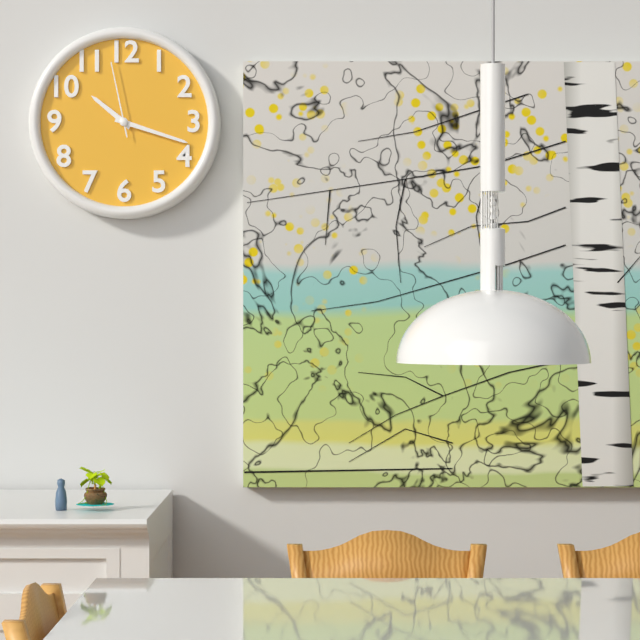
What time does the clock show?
10:18:58
